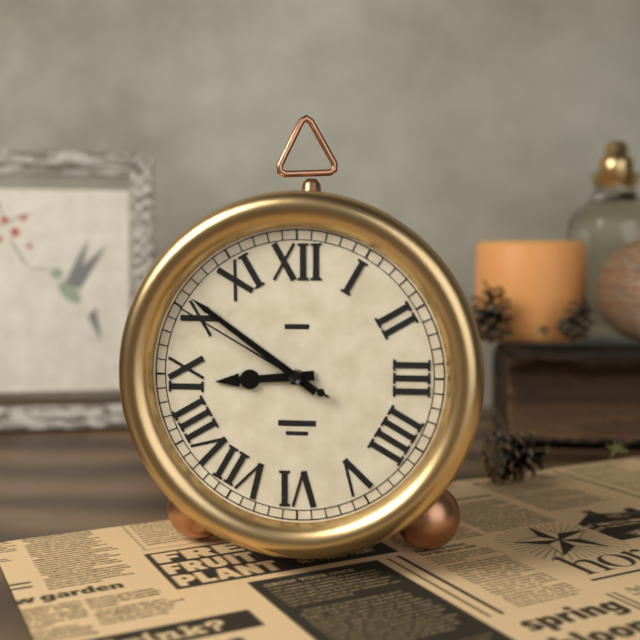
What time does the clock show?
8:51:50
